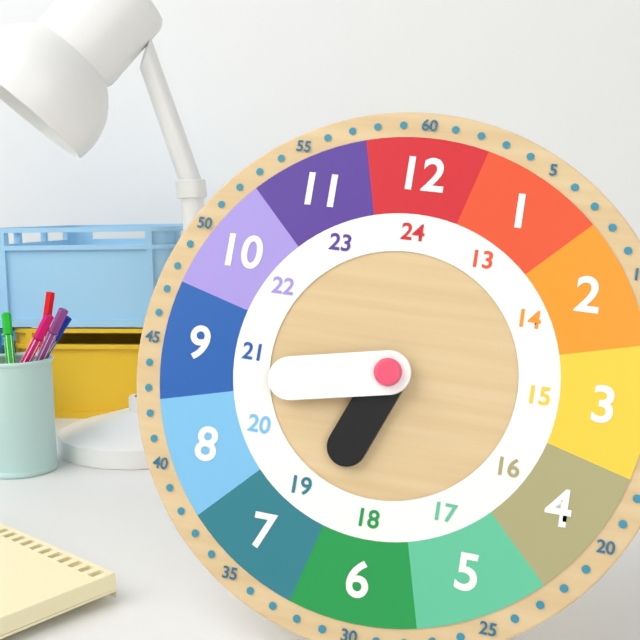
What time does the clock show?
6:43
